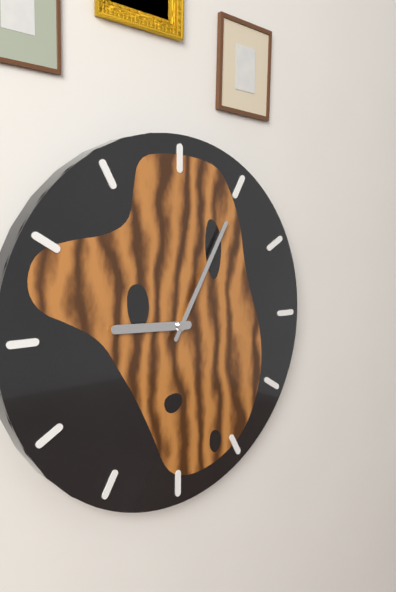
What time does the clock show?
9:05
